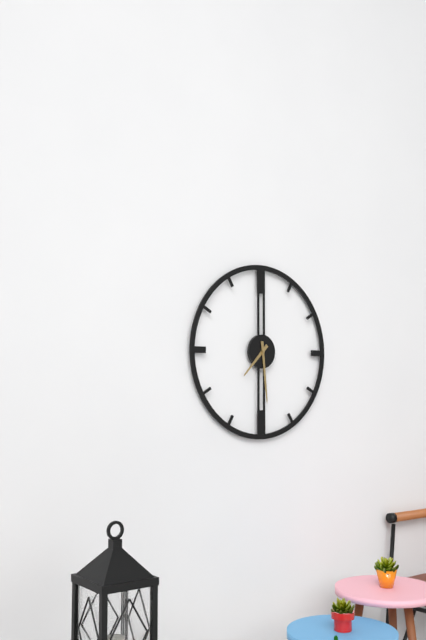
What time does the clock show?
7:29
